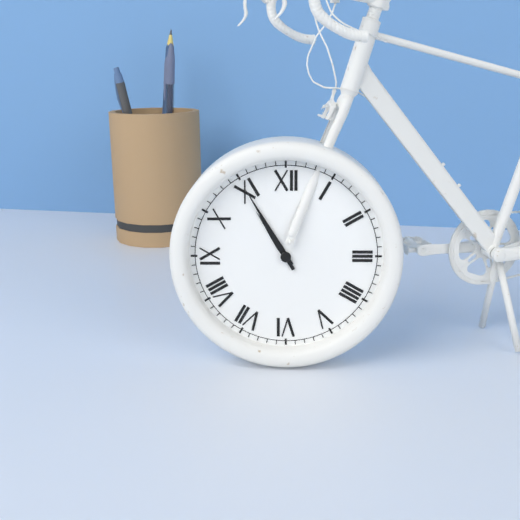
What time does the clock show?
10:55
